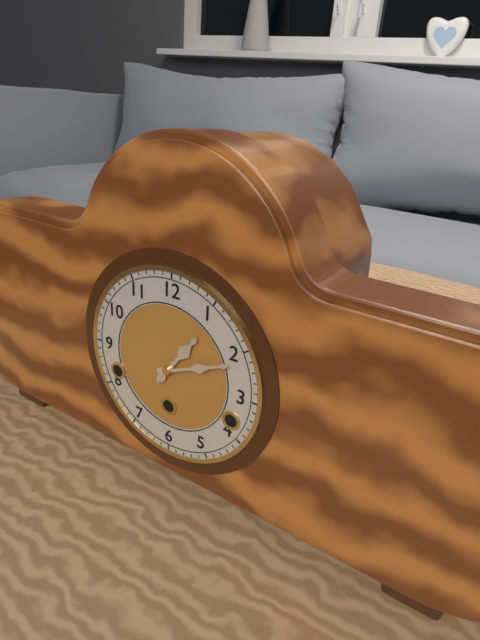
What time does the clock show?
1:11
